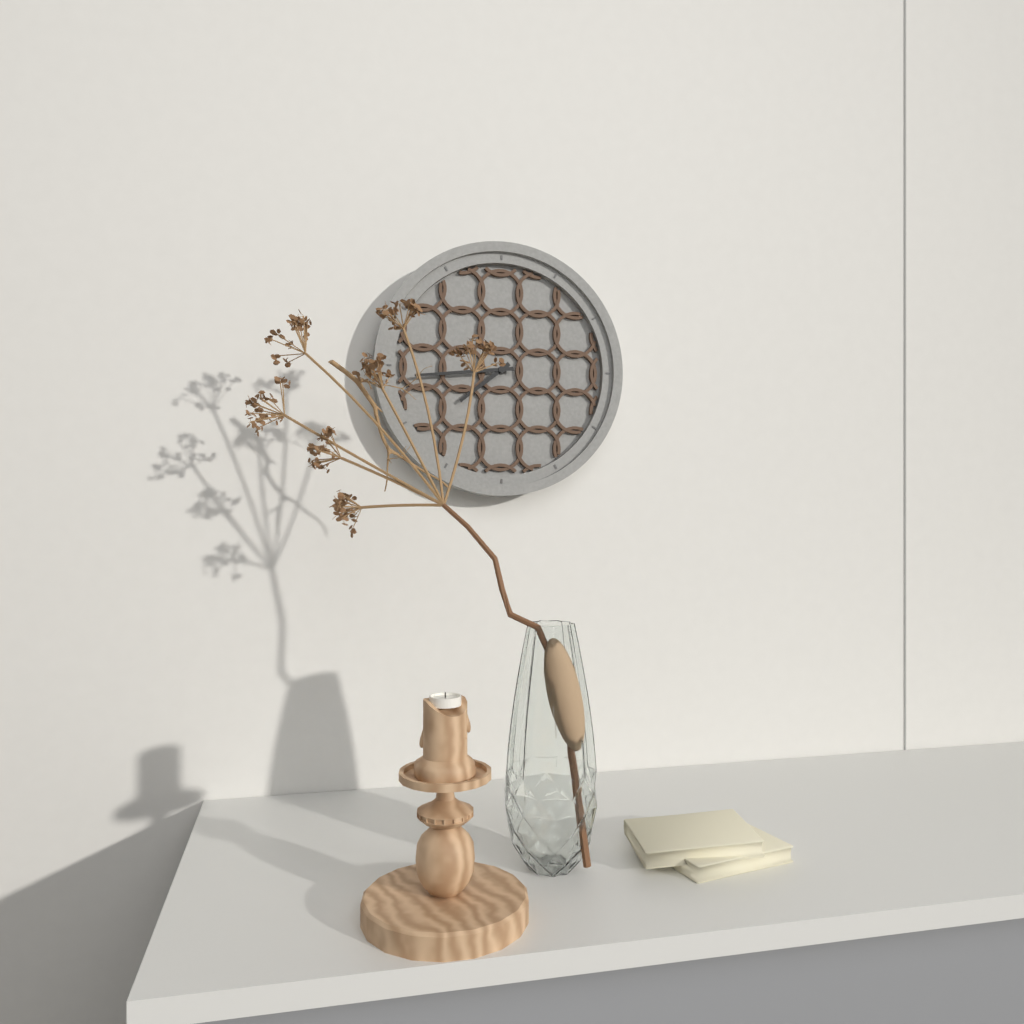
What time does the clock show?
7:44
